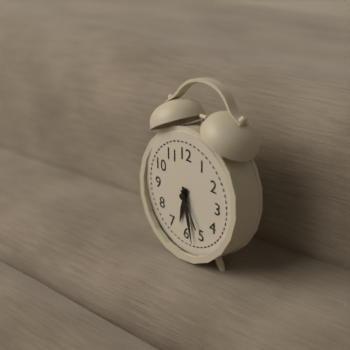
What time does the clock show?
6:28
